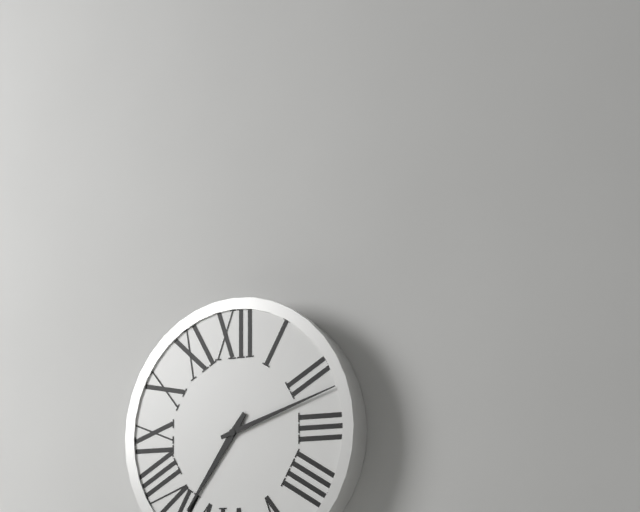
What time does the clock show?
7:12
